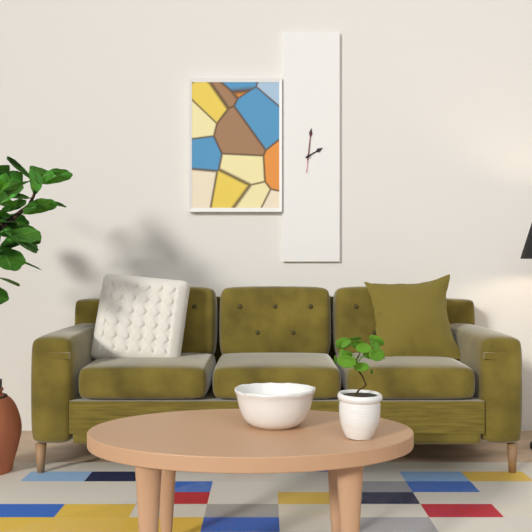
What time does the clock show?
2:01
